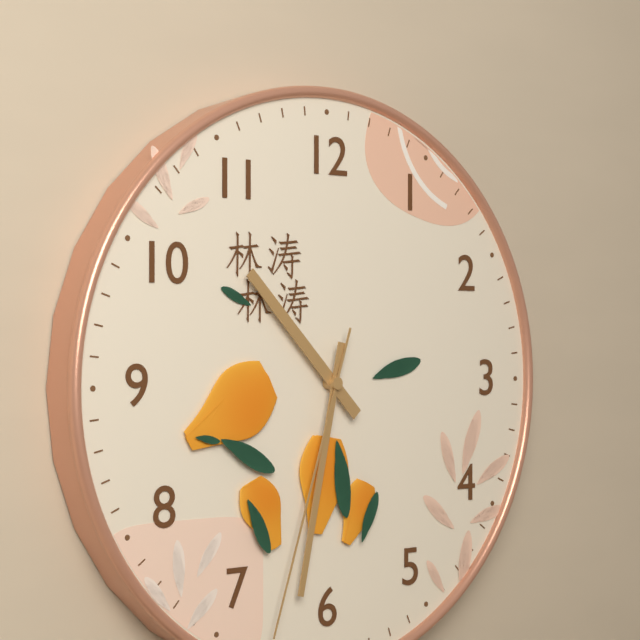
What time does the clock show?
10:32:33
